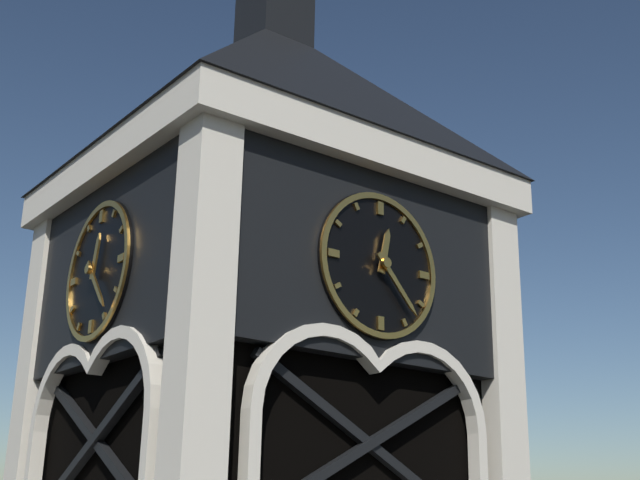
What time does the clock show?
12:23
